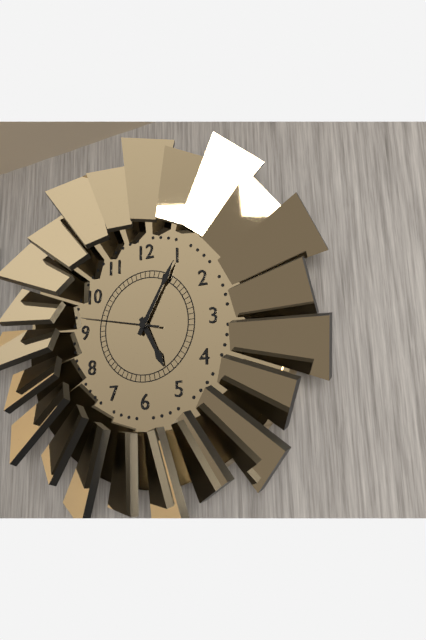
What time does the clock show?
5:05:47
